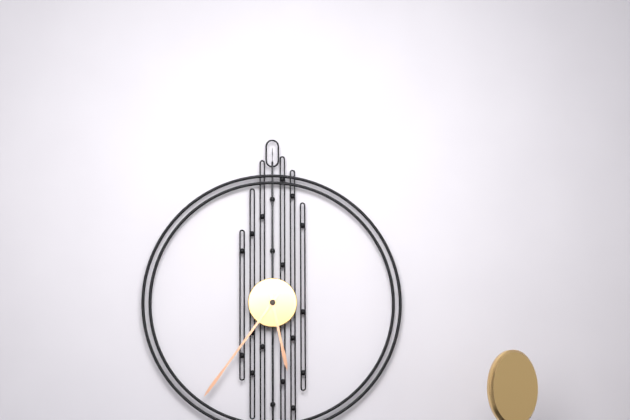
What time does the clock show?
5:36
